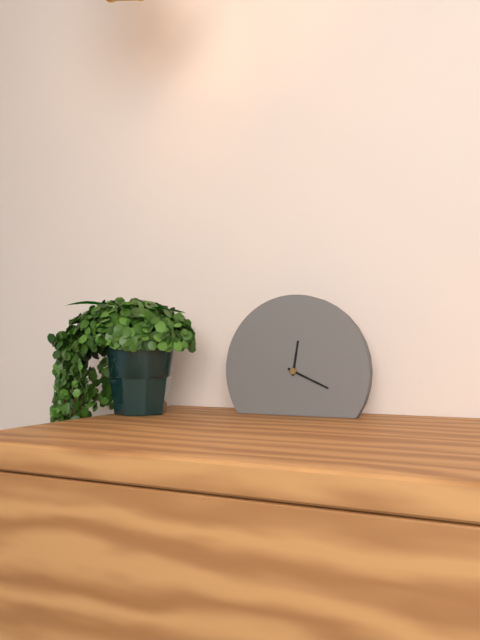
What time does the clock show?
12:19
